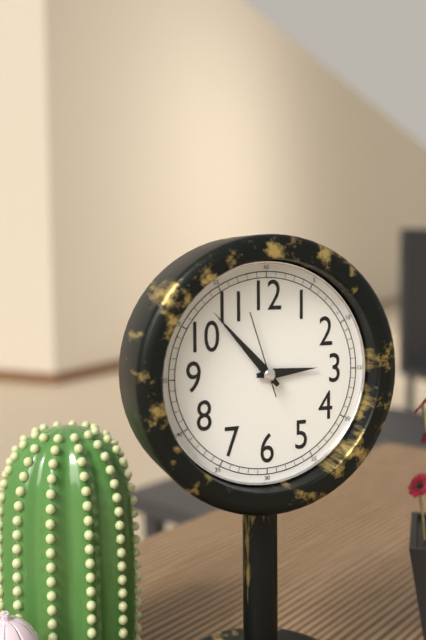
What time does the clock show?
2:53:57
